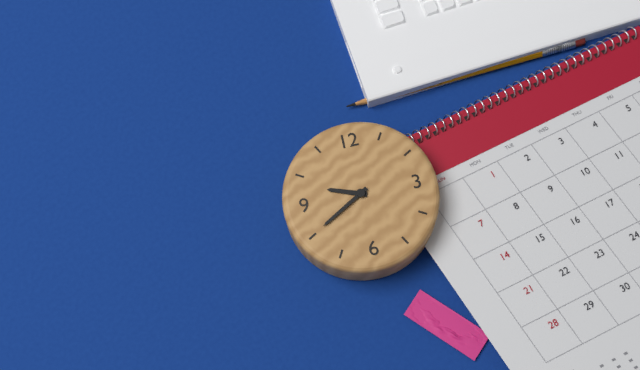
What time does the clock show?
9:40
